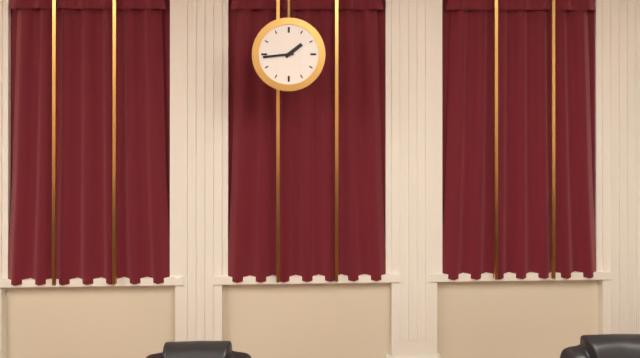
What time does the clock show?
1:44
